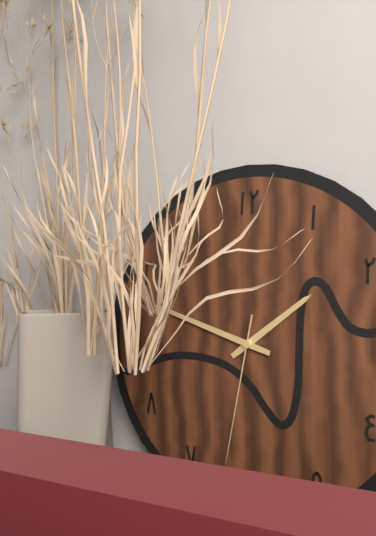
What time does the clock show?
1:48:32
